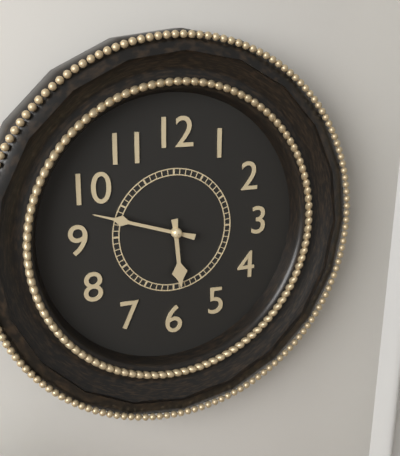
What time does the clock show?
5:48
